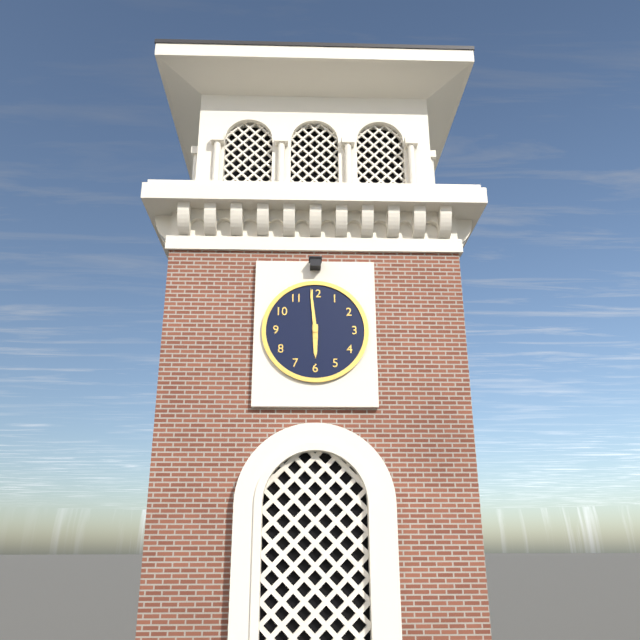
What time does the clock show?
5:59
